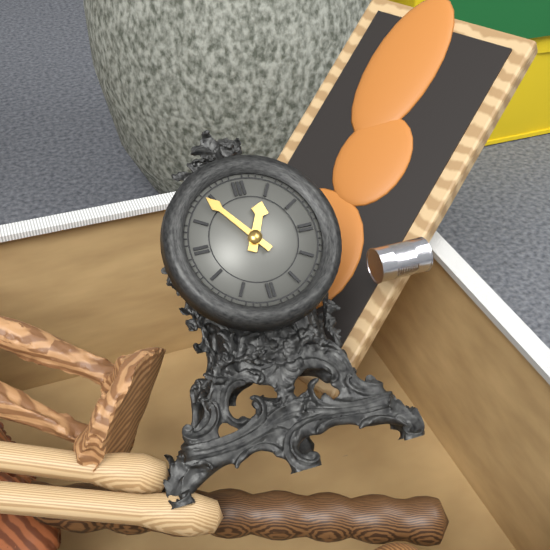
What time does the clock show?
12:54
